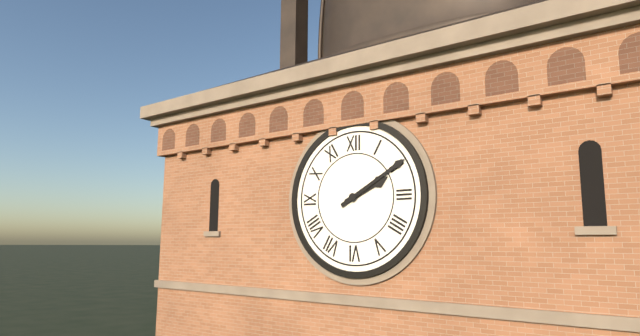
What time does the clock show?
2:10
